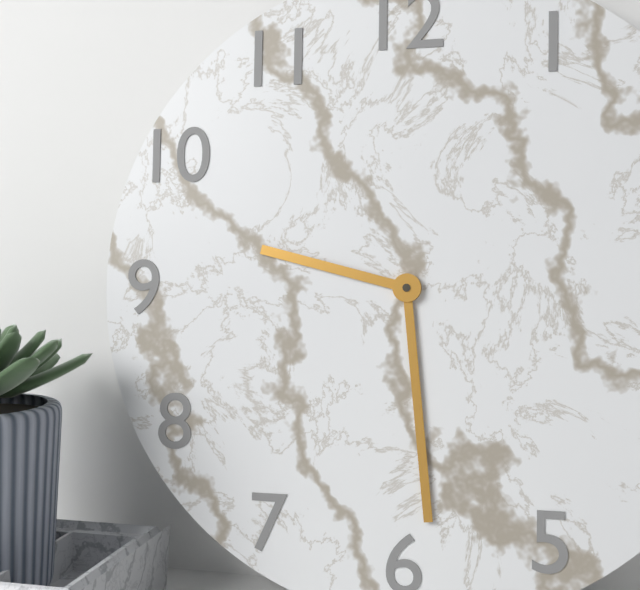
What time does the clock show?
9:29
